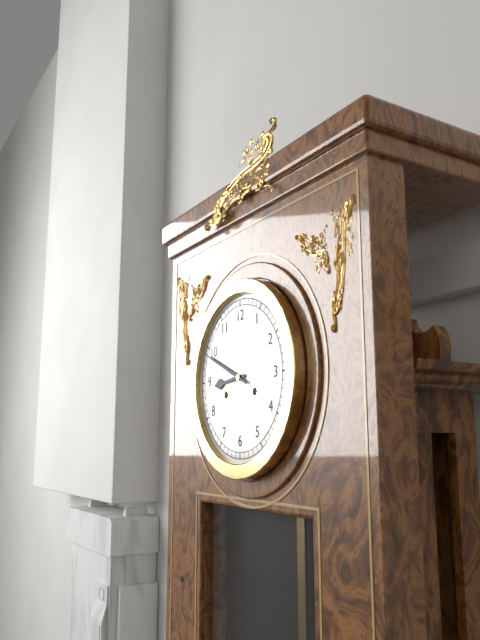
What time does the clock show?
8:49
